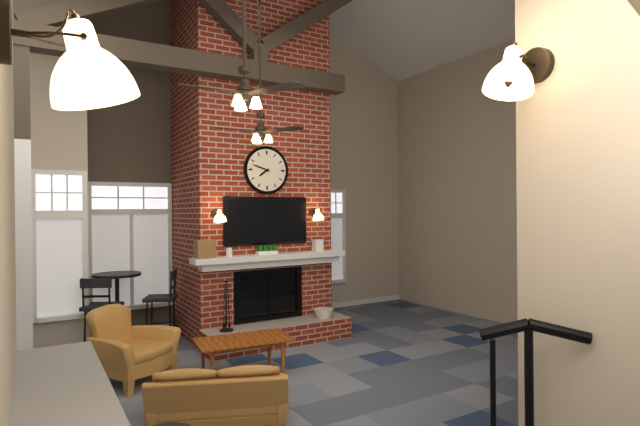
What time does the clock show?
7:48
